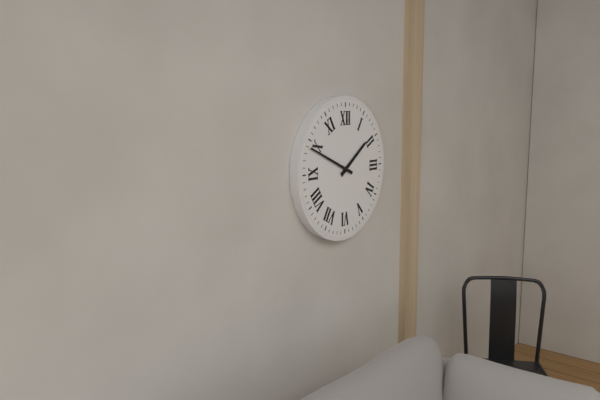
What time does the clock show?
1:49
